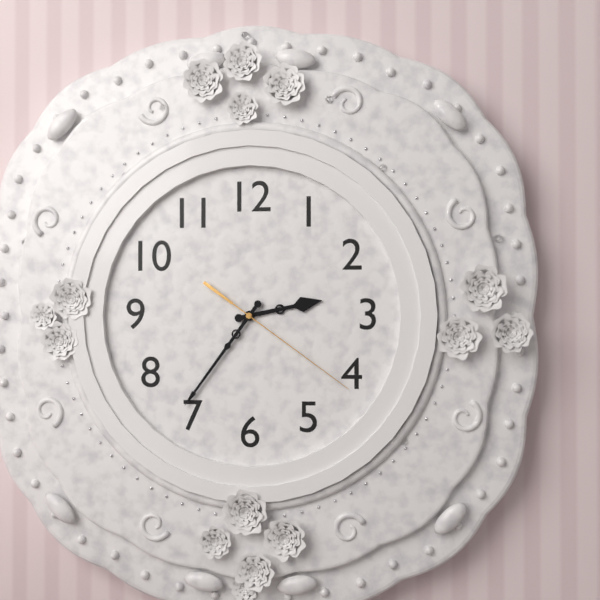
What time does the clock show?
2:36:21
